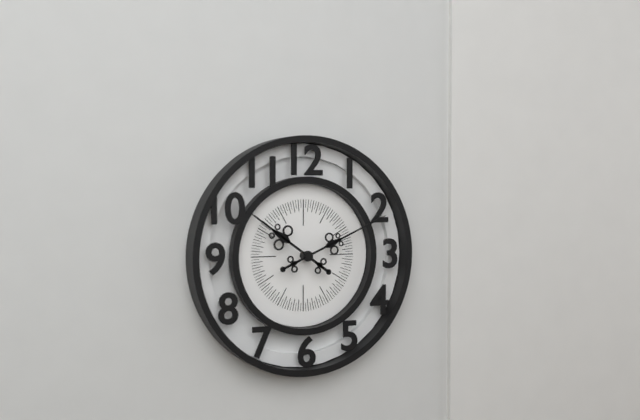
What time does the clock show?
10:11
